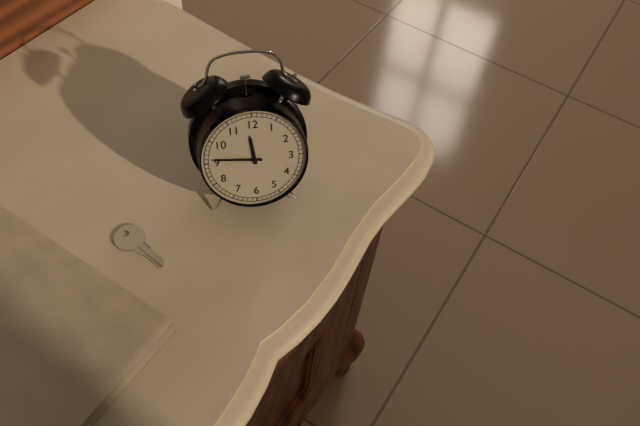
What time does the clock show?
11:46
